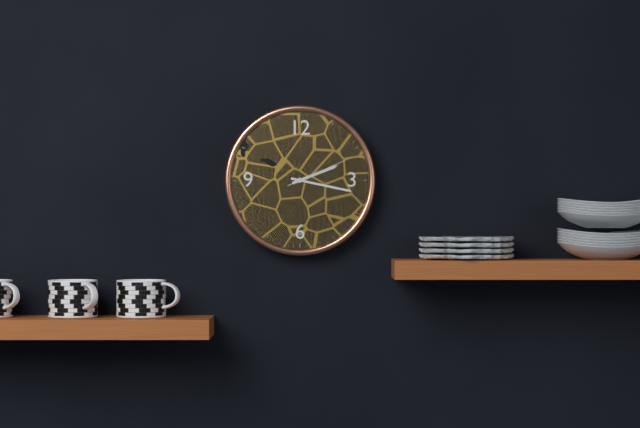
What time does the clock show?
2:17:11
